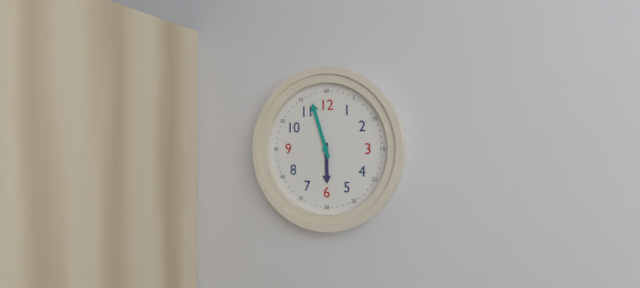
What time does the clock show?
5:57
